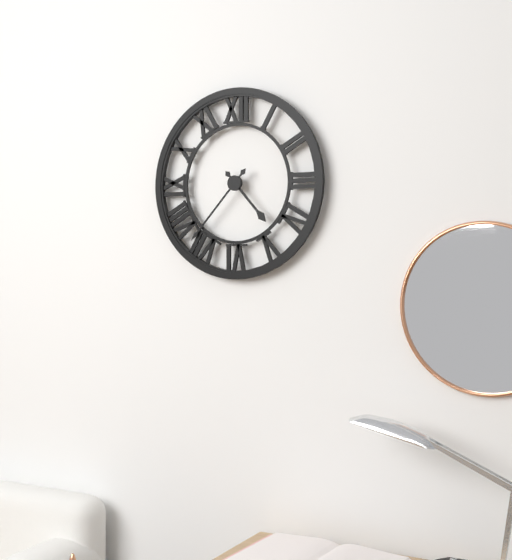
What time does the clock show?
4:37
